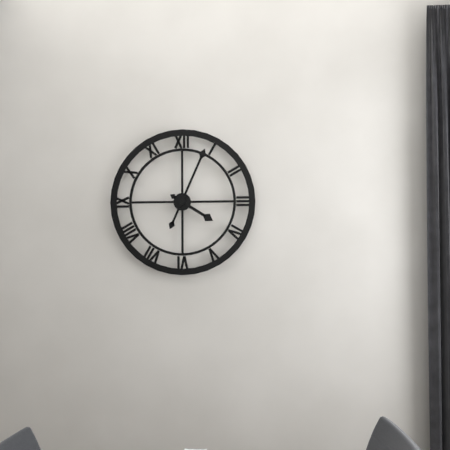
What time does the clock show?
4:04
